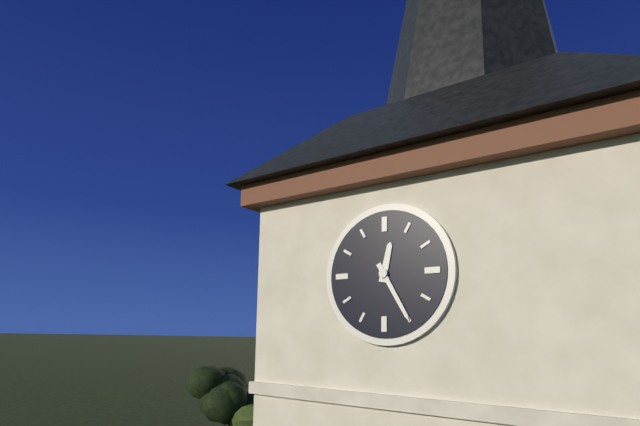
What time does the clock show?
12:25
